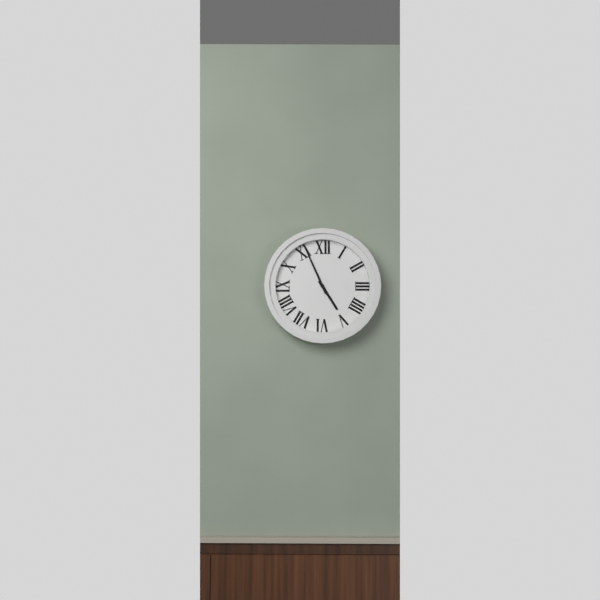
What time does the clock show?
4:56
